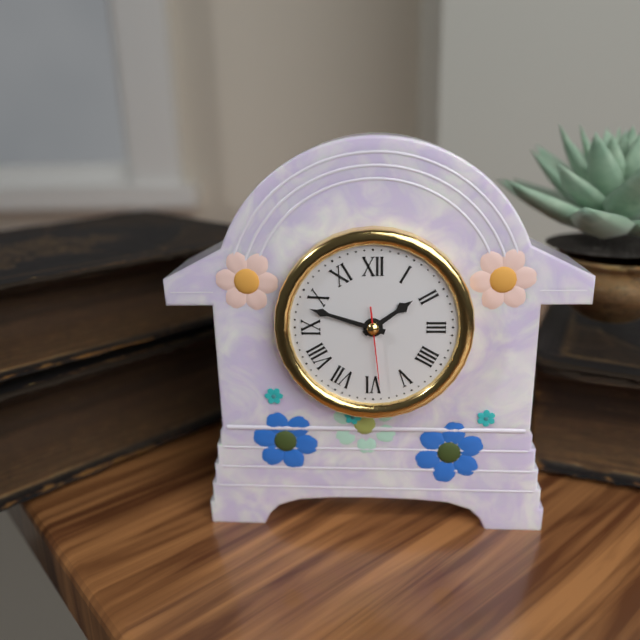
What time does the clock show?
1:48:29
